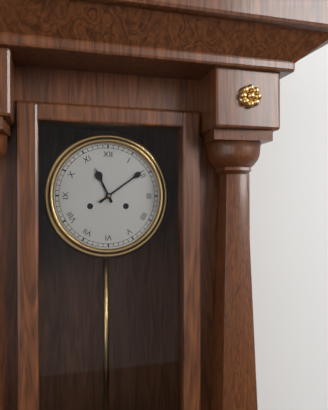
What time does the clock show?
11:09
